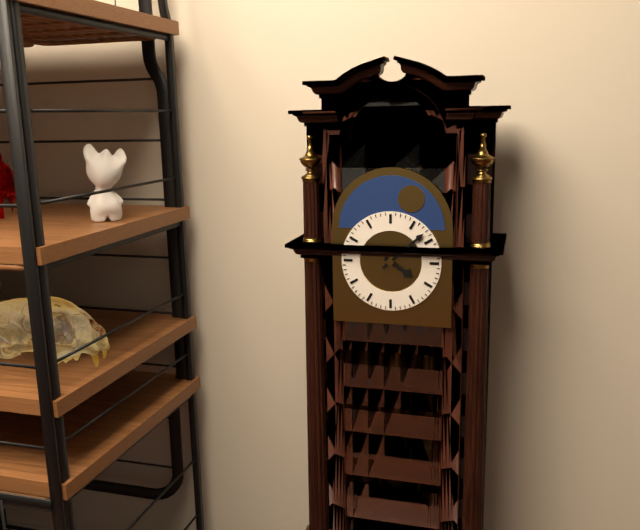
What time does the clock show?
4:08
